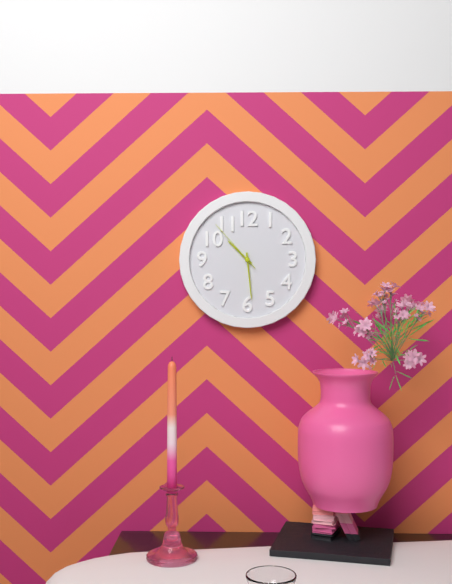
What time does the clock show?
10:29:53
